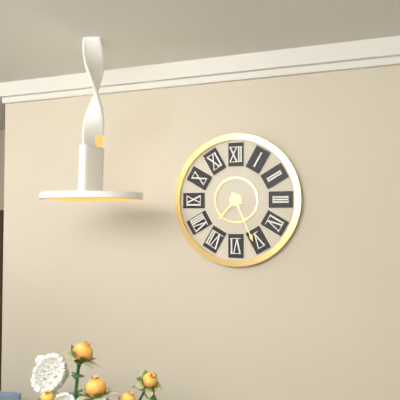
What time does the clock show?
7:26
